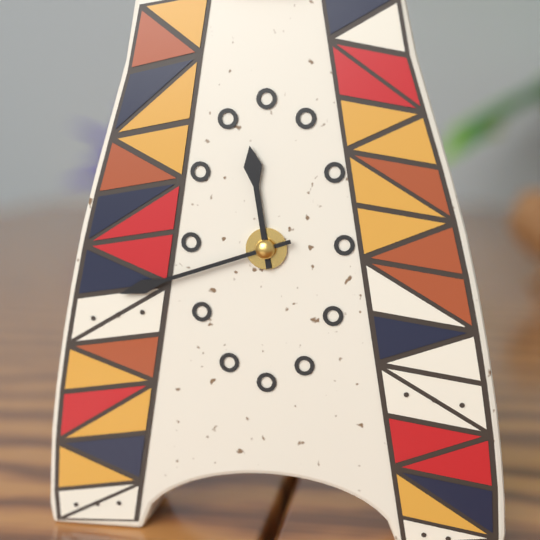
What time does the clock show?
11:42
